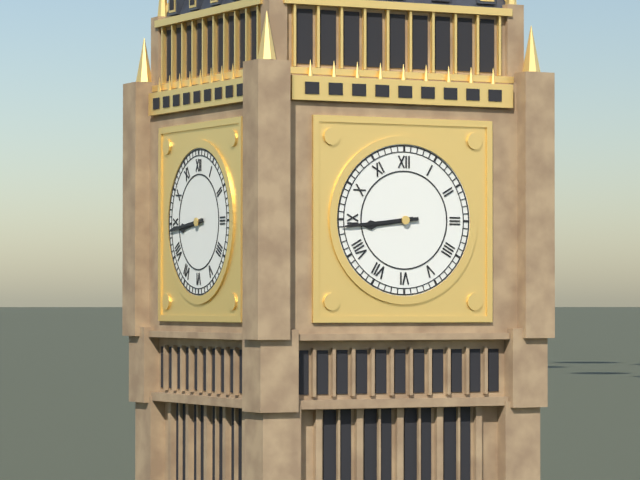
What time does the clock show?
8:44
